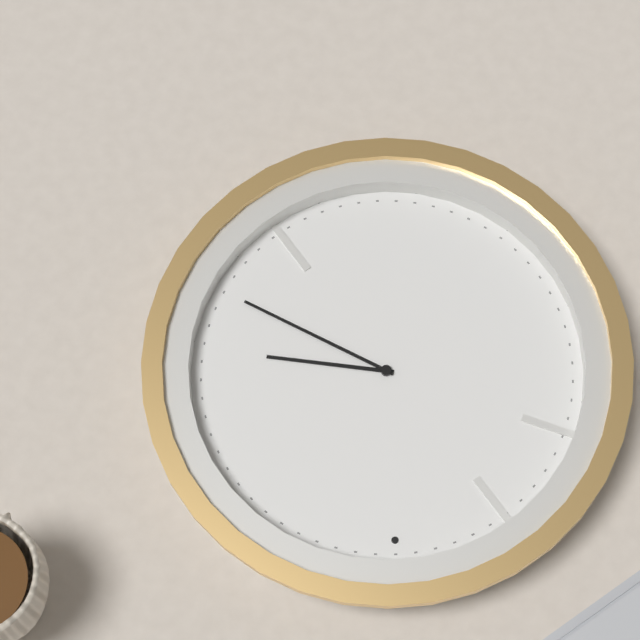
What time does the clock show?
3:20
